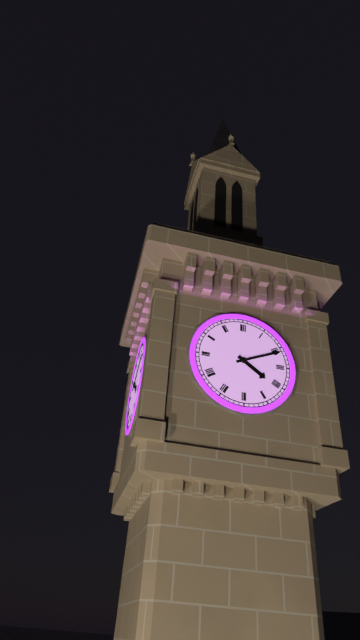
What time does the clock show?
4:11
